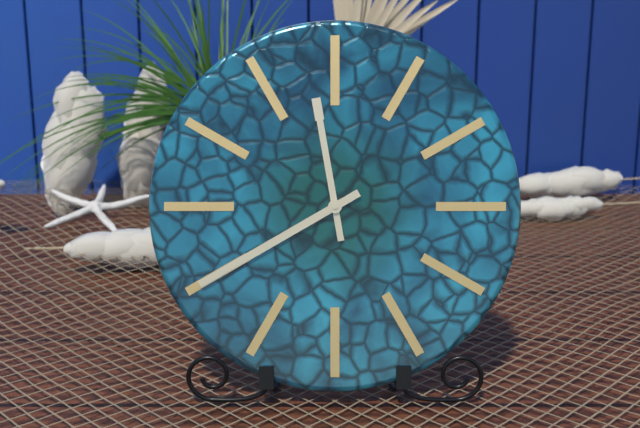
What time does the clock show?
11:40
